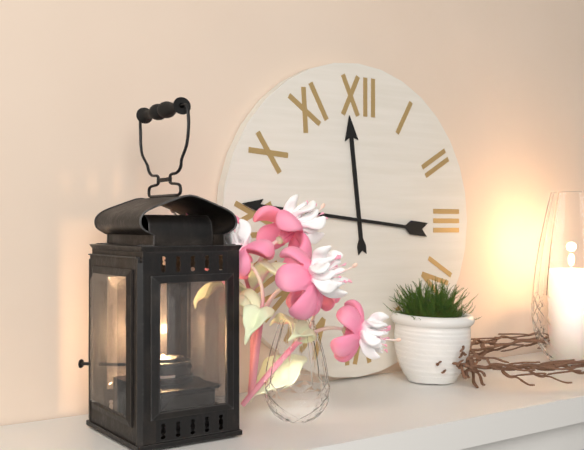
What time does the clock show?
11:46
